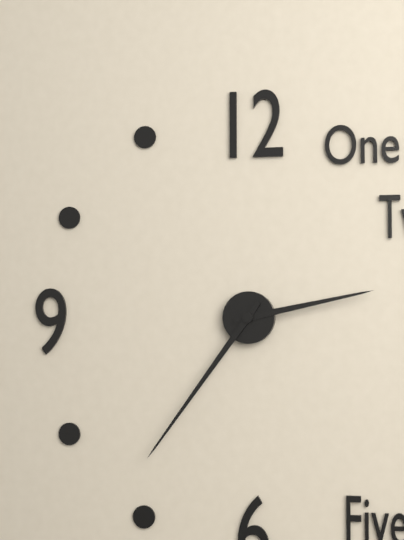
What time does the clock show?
2:36
